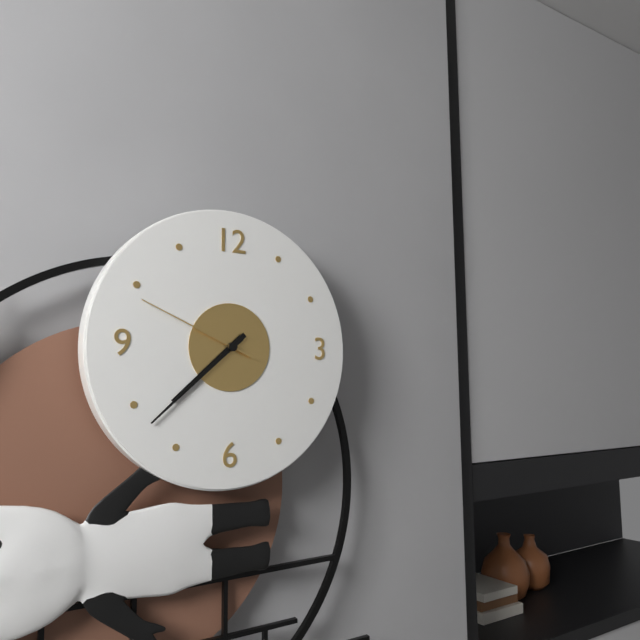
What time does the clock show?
7:38:49
